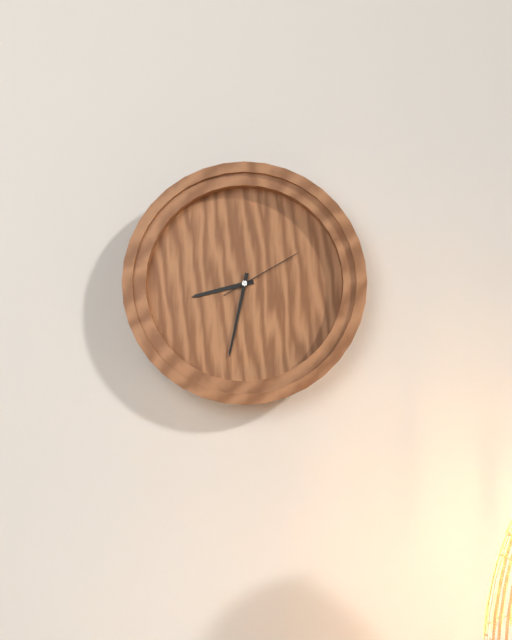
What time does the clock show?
8:32:10
